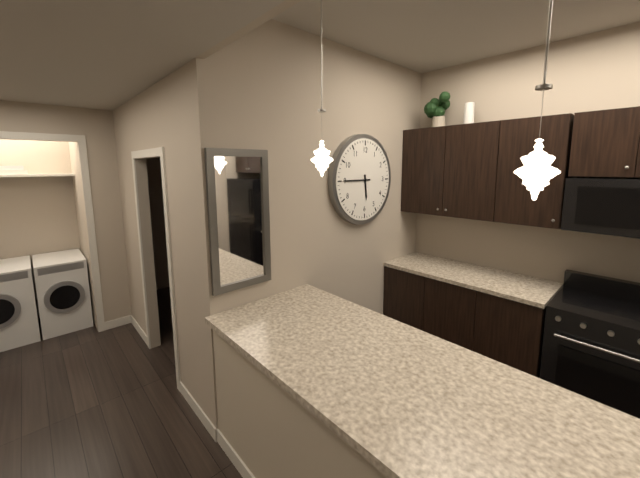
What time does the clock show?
5:45
